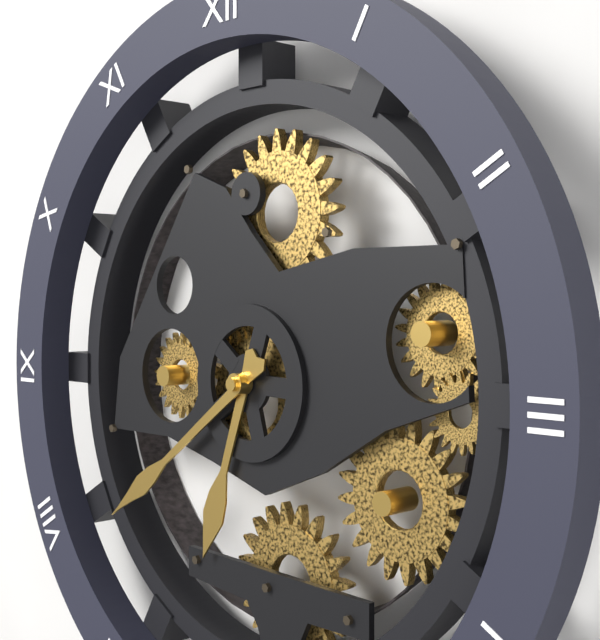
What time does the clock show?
6:39
